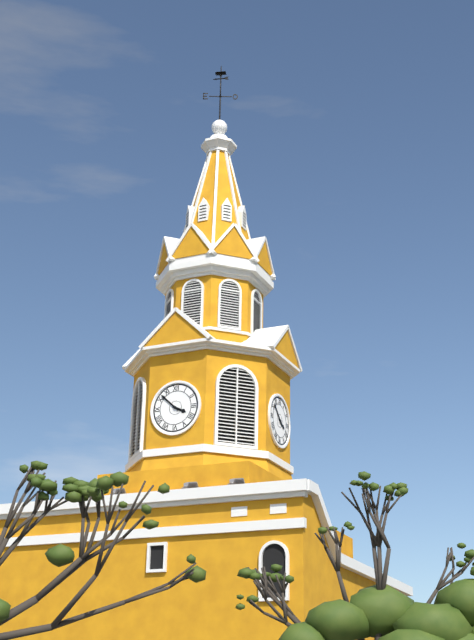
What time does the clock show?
3:52
